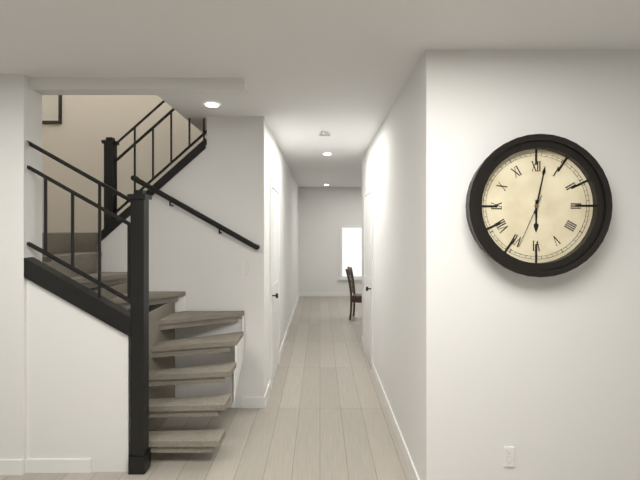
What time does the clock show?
6:02:34
